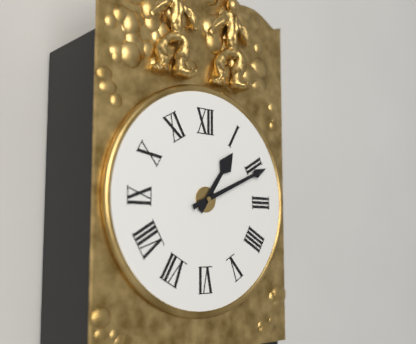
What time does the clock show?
1:11
